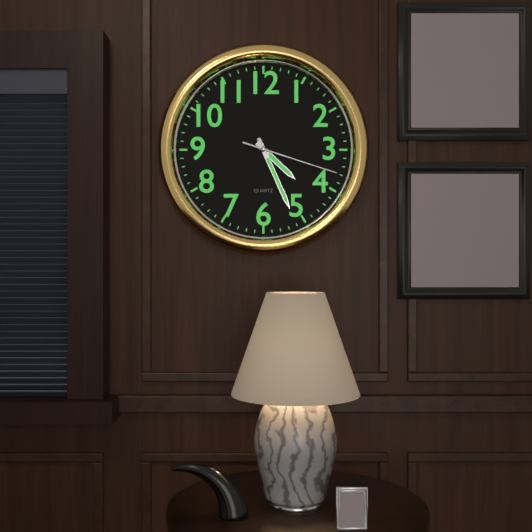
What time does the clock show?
4:26:18
